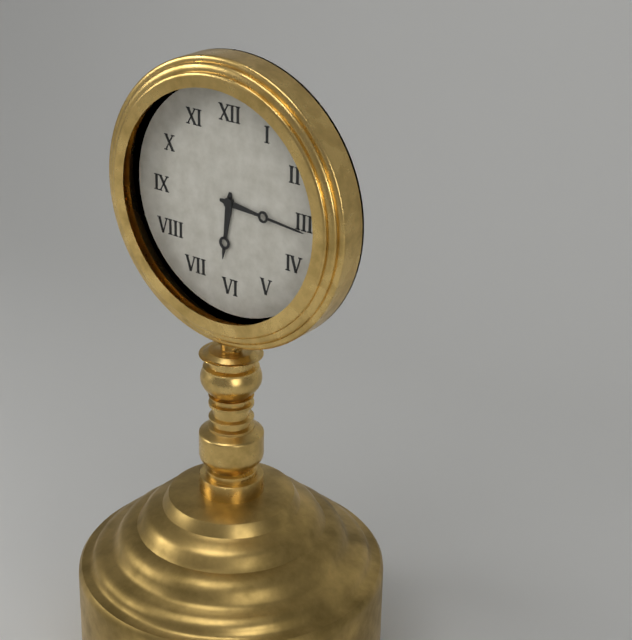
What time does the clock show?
6:16
